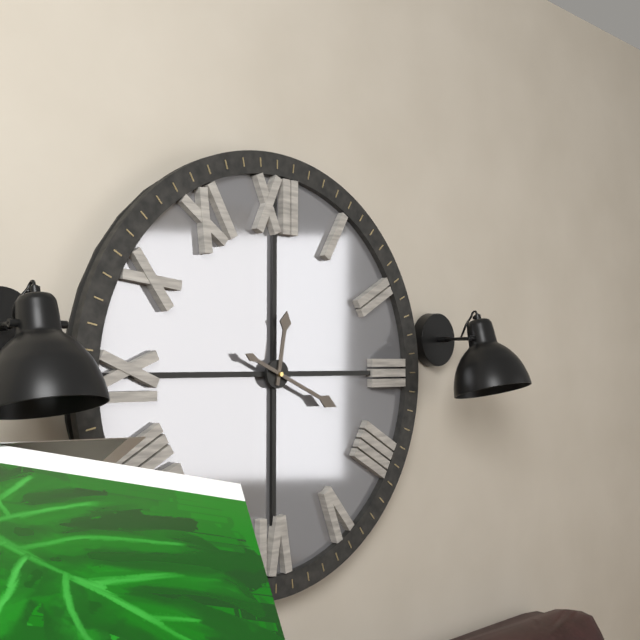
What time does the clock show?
12:19
